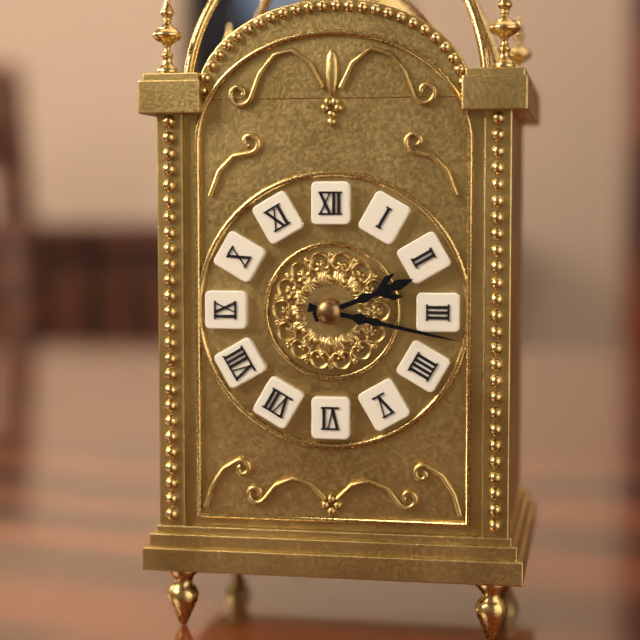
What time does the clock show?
2:17
